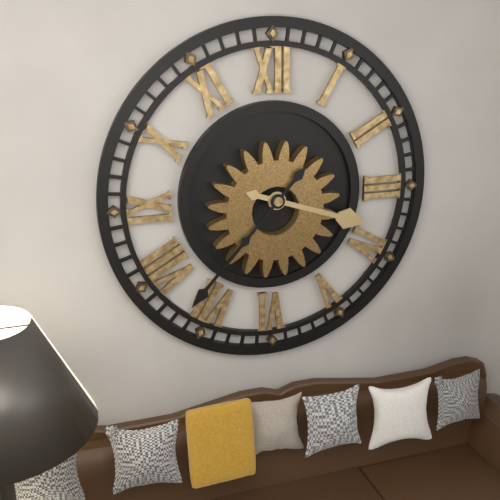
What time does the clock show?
3:37
